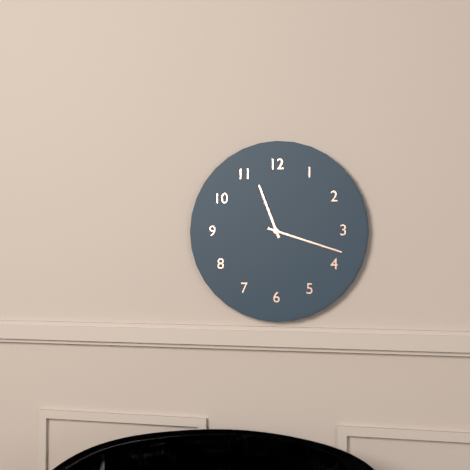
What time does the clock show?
11:18
